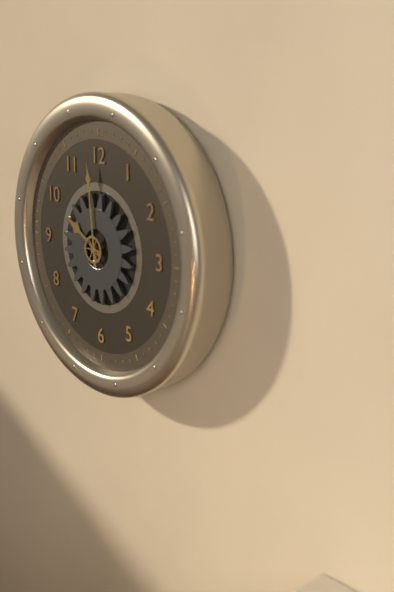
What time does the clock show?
9:59
